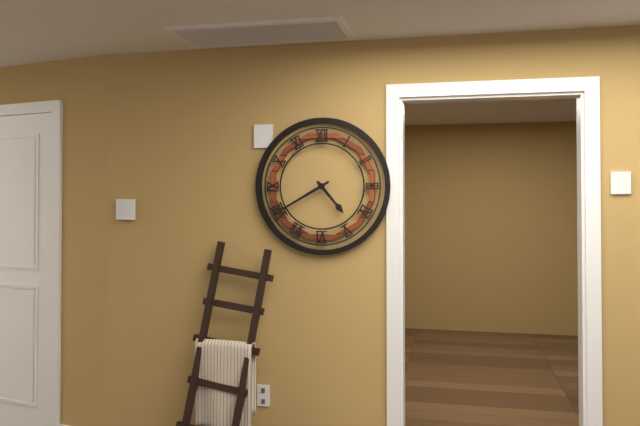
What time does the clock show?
4:40
